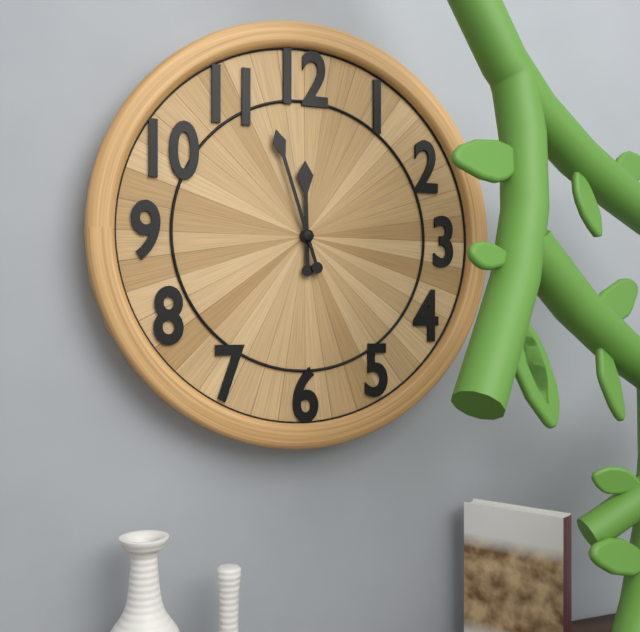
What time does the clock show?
11:57
